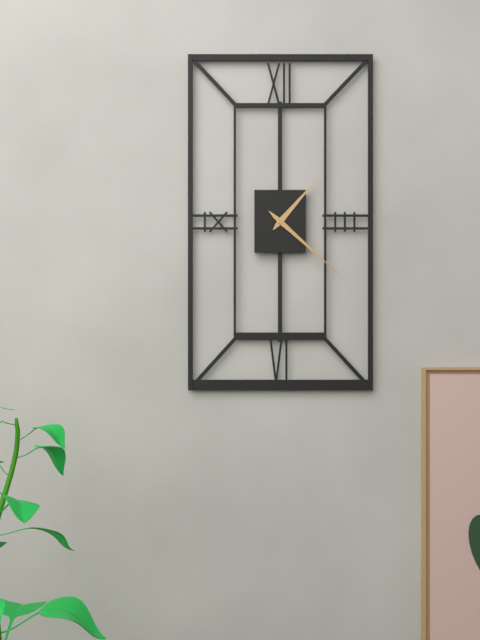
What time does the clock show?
1:22
